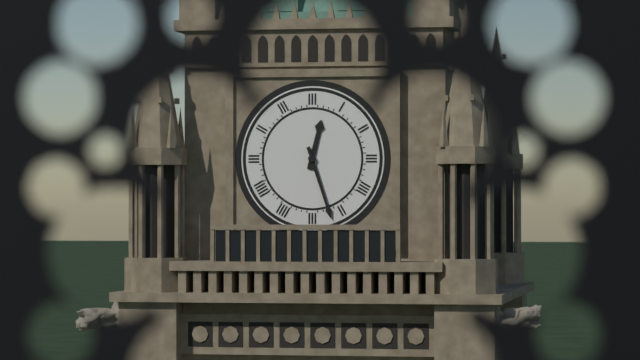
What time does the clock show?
12:27
